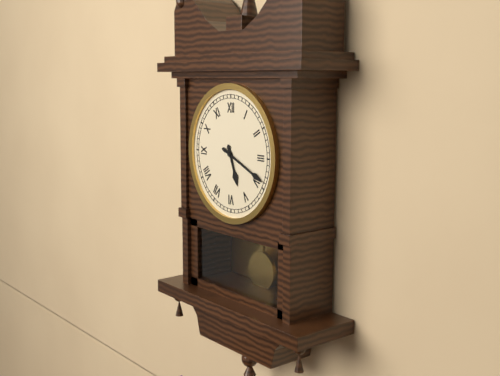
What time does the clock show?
5:19
